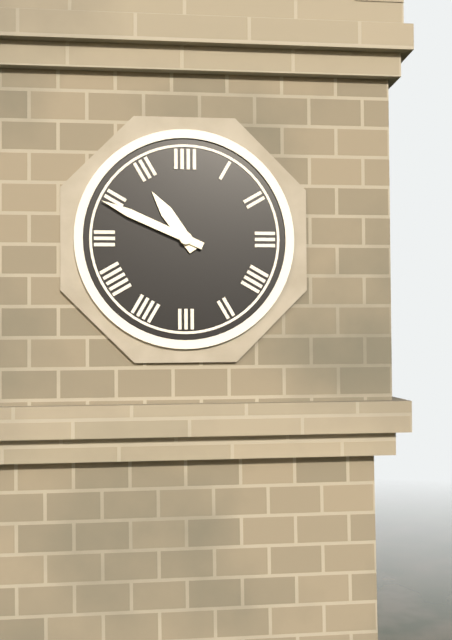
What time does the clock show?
10:49
